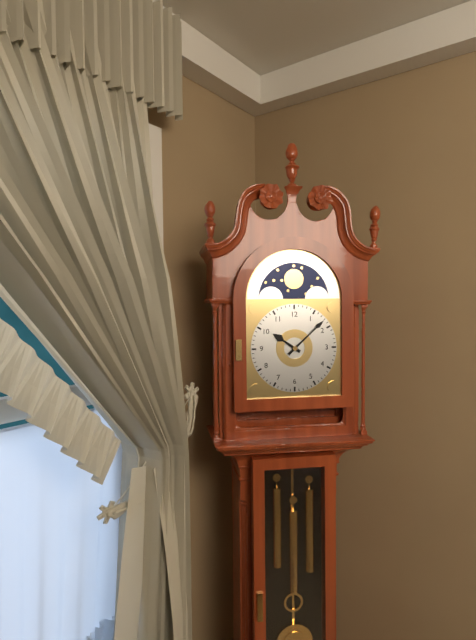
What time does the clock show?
10:08
